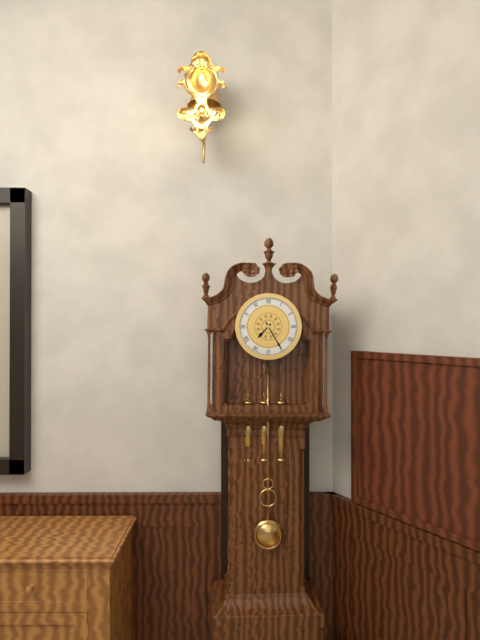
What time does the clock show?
7:25
